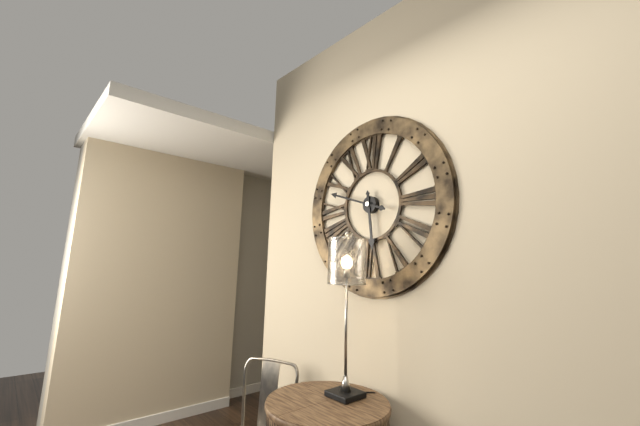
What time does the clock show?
5:48
